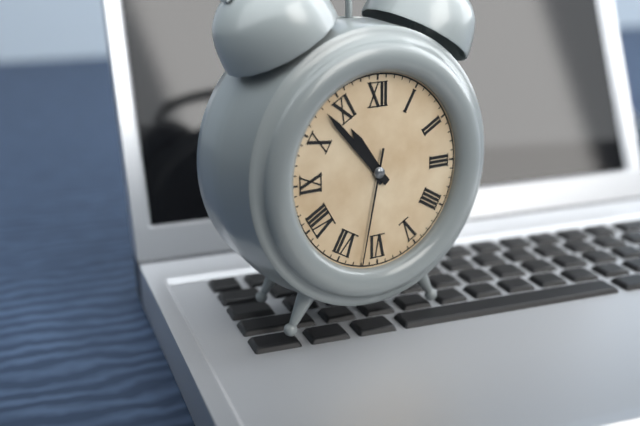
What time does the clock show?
10:53:32
